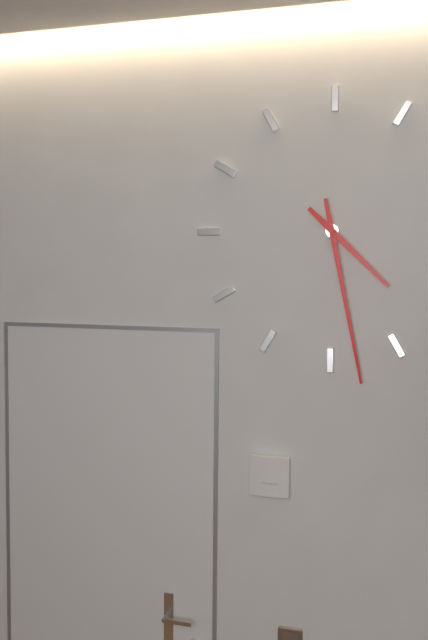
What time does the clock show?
4:28
